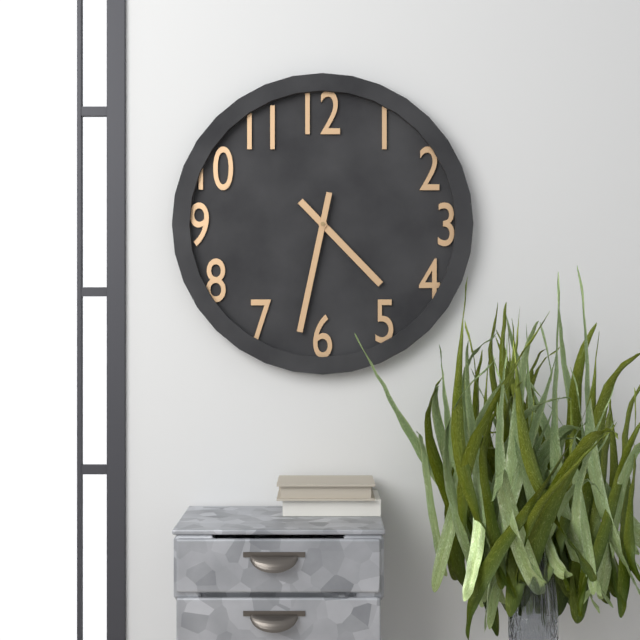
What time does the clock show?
4:32
